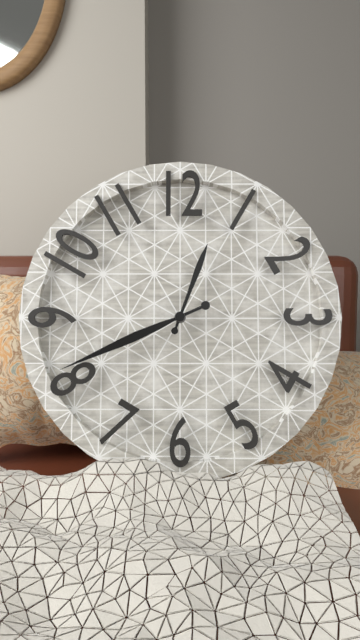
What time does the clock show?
12:41
